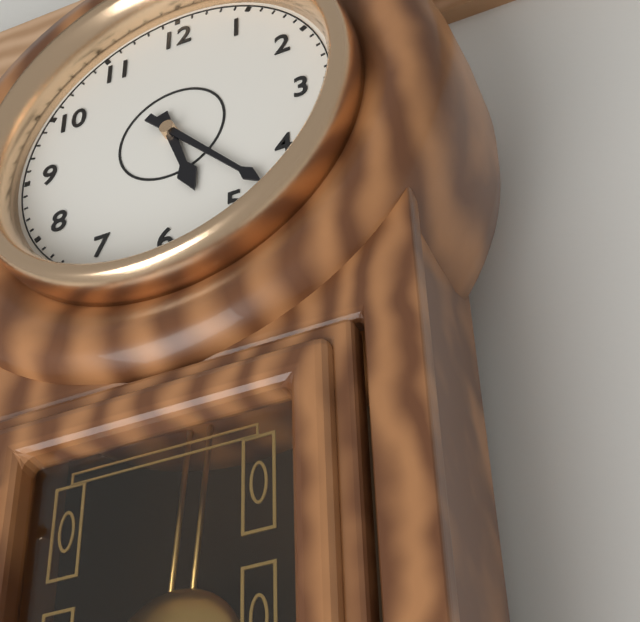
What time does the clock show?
5:23
